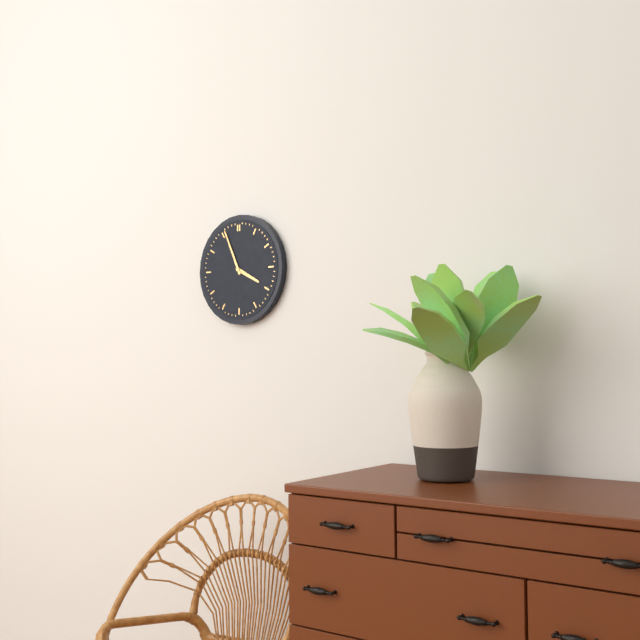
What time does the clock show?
3:56
